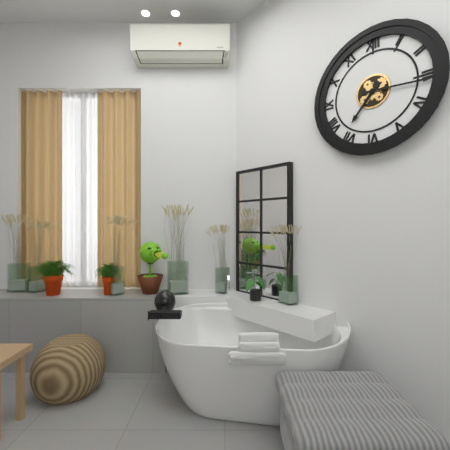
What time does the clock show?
7:16
